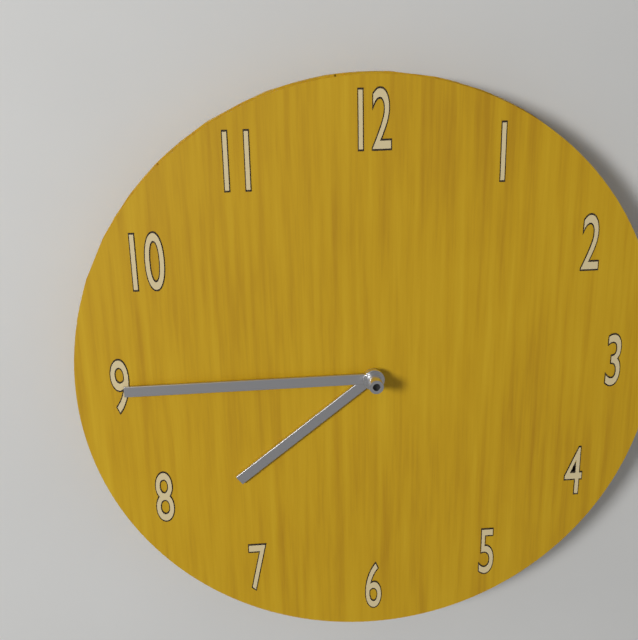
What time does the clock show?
7:45
